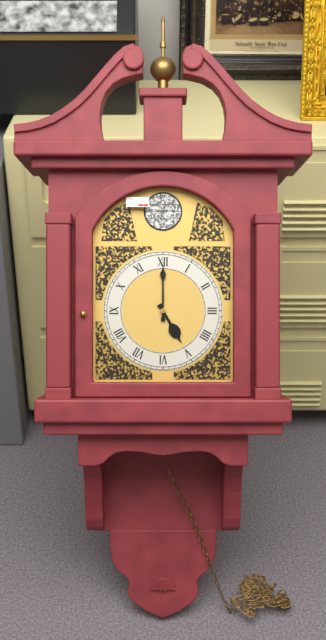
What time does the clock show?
5:00
